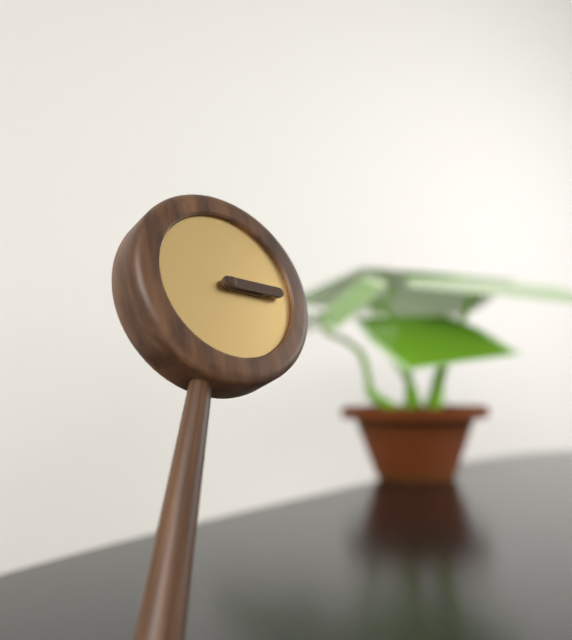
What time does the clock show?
3:16
